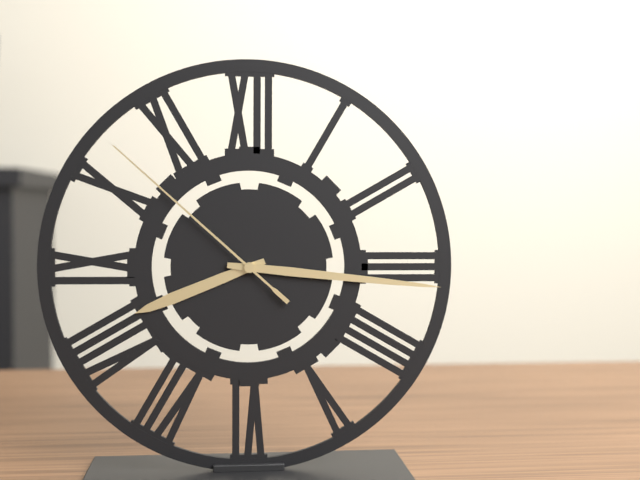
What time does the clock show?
8:16:52
